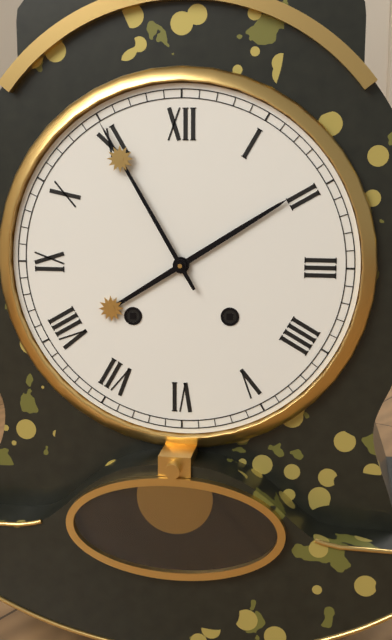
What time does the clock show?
1:55
